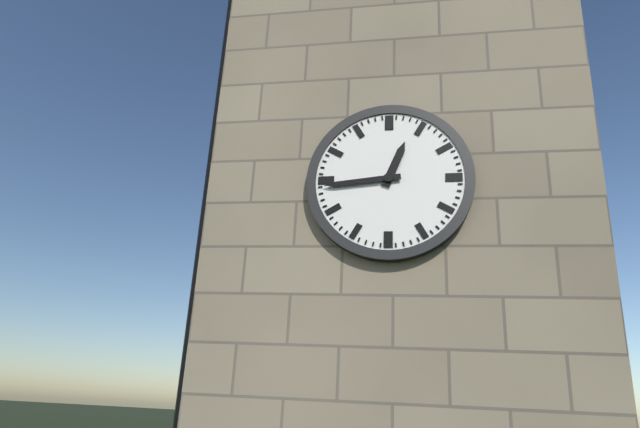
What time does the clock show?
12:44
